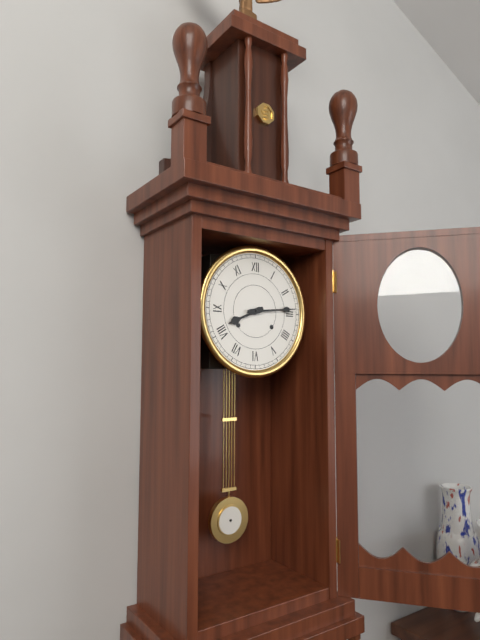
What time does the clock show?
8:14
